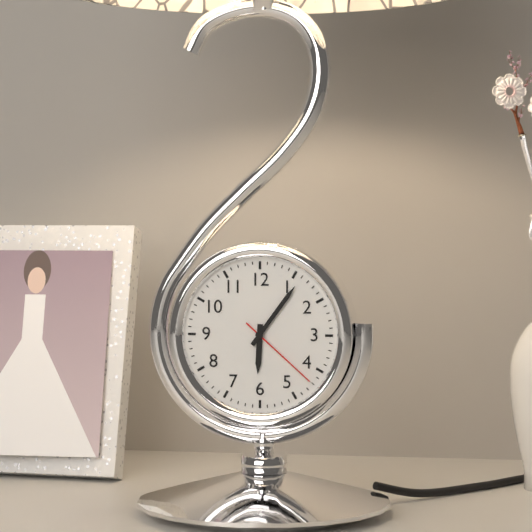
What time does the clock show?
6:06:22
